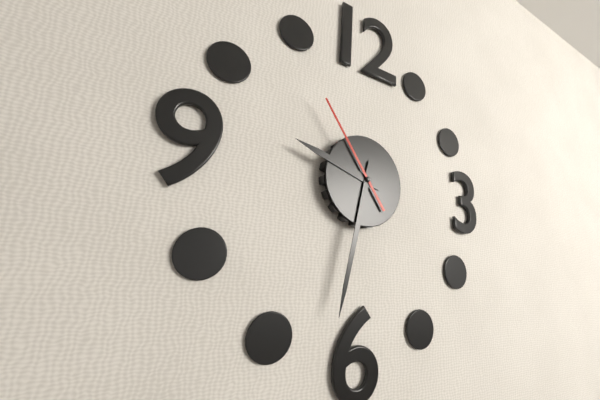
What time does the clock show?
9:32:54
